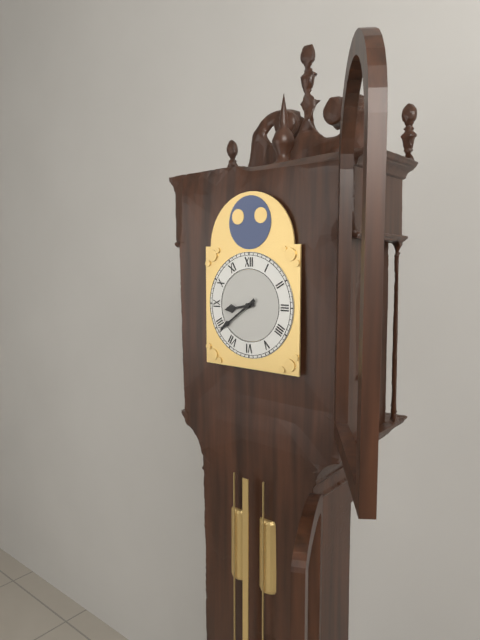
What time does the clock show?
8:39
